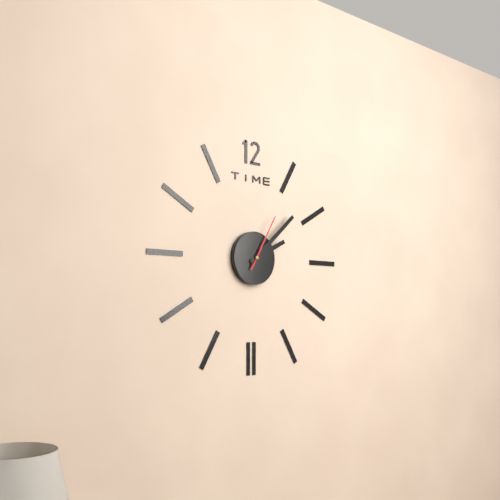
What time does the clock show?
2:08:05
